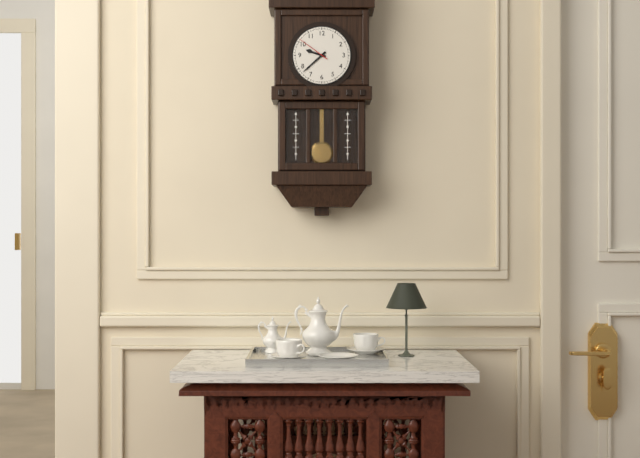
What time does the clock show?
9:38
